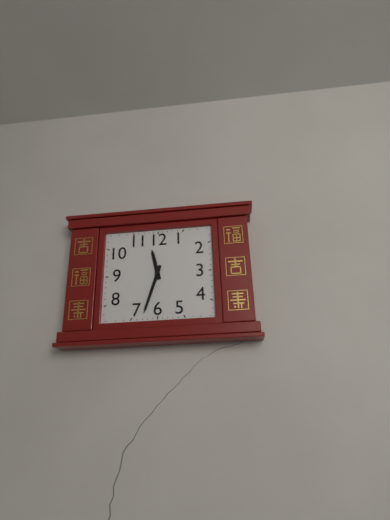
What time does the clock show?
11:33
